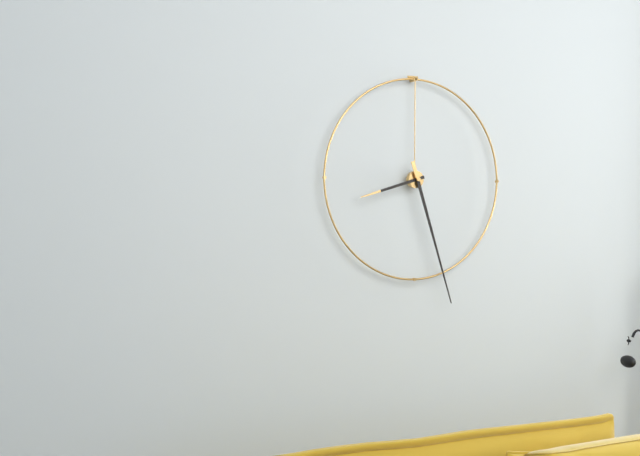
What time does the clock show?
8:27
